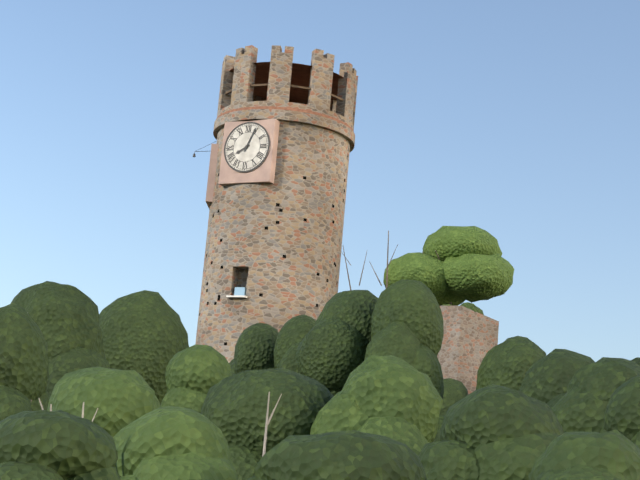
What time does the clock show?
8:04
